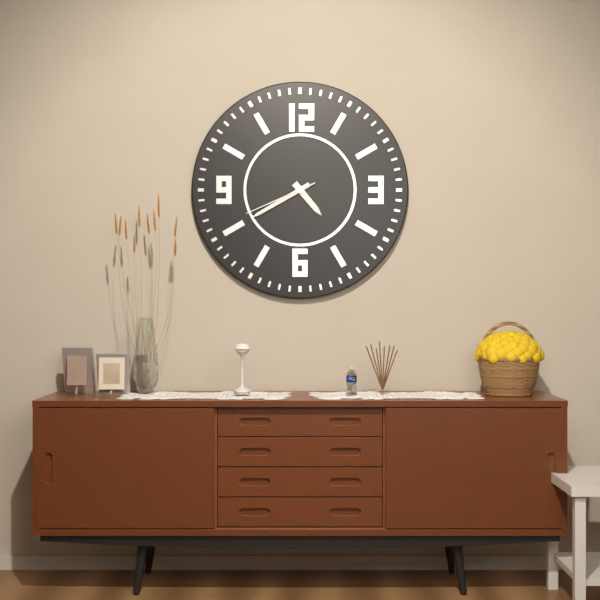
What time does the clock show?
4:40:41
